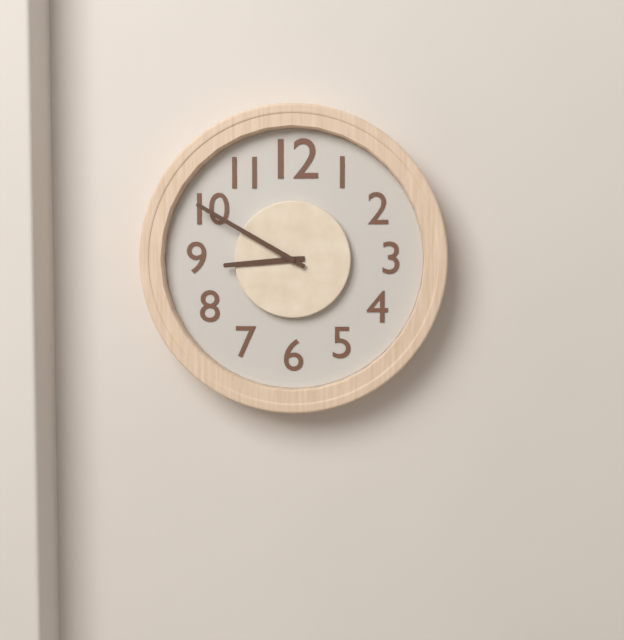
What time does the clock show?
8:50
